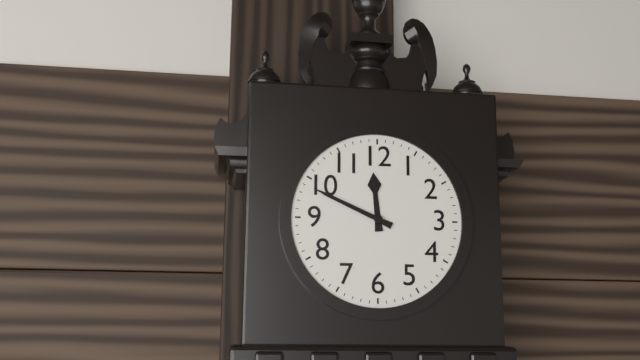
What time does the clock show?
11:49
